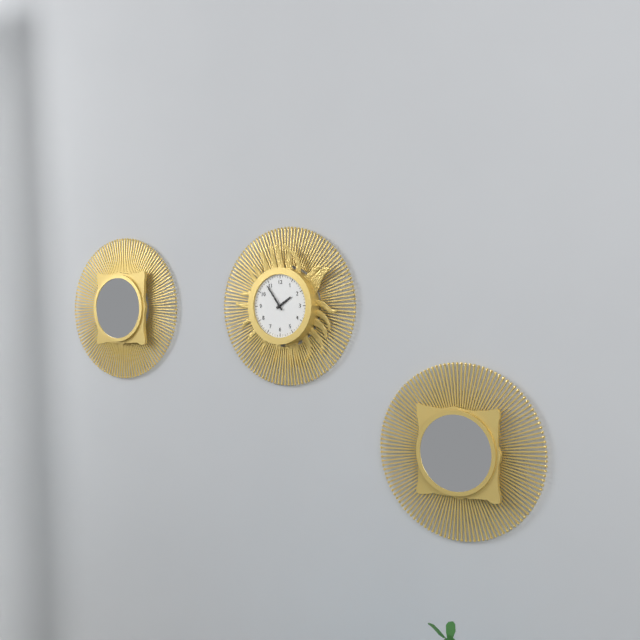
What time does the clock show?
1:54
